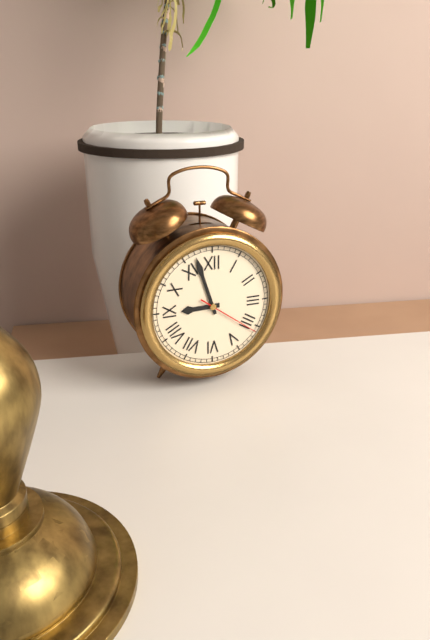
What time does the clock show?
8:57:21
